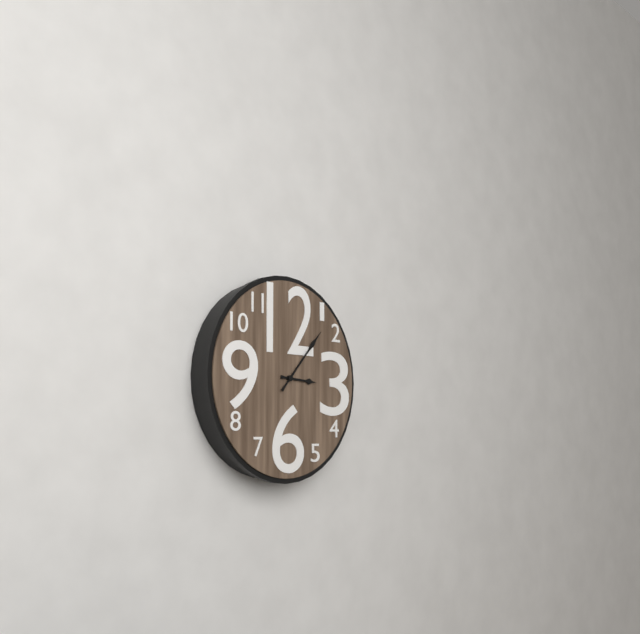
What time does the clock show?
3:07
